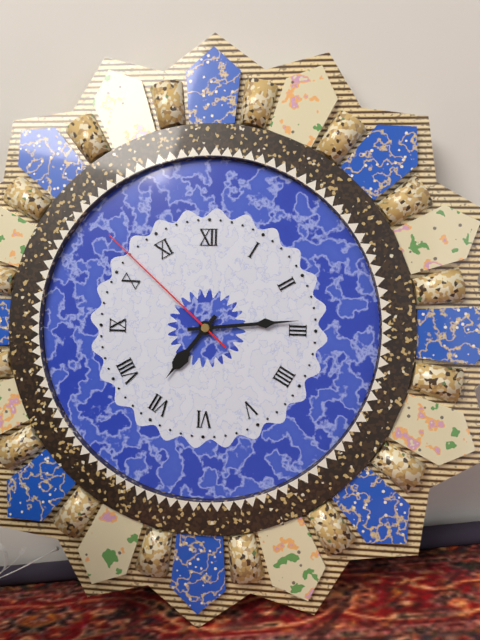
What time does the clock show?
7:14:52
